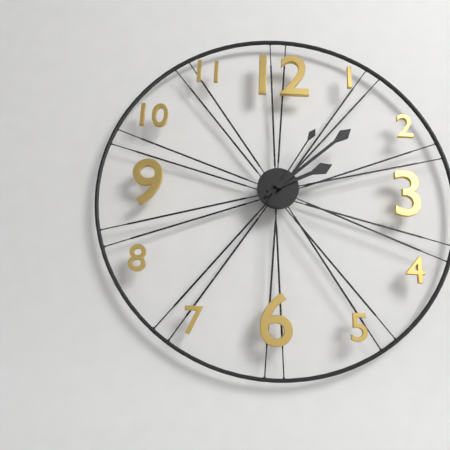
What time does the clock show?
2:08:05
